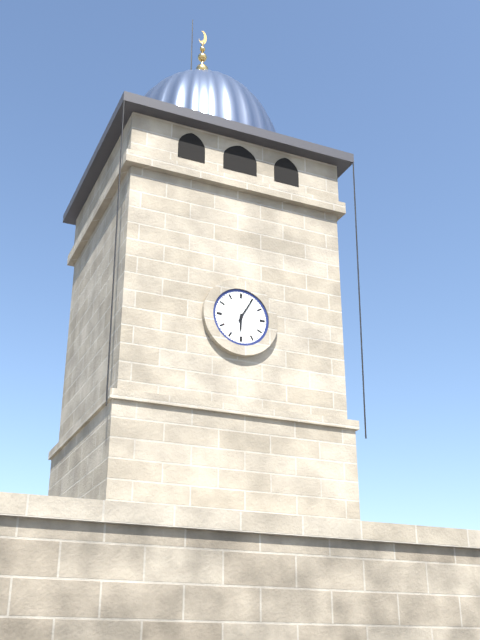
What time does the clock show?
6:05
